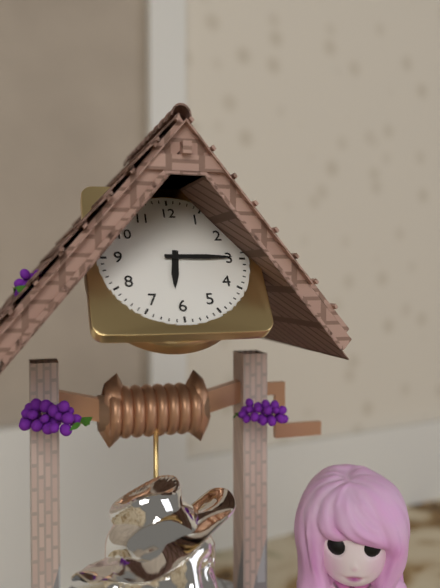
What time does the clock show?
6:15
